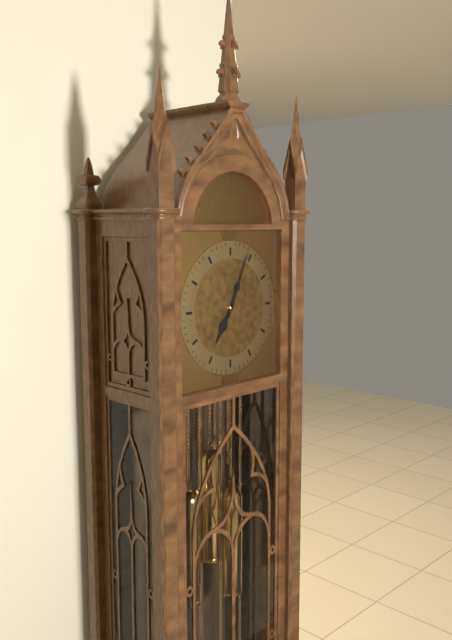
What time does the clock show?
7:04
